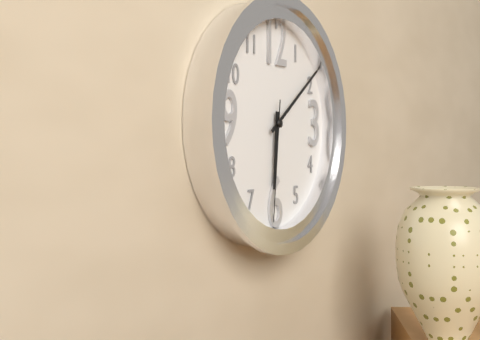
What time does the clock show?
6:09:31
